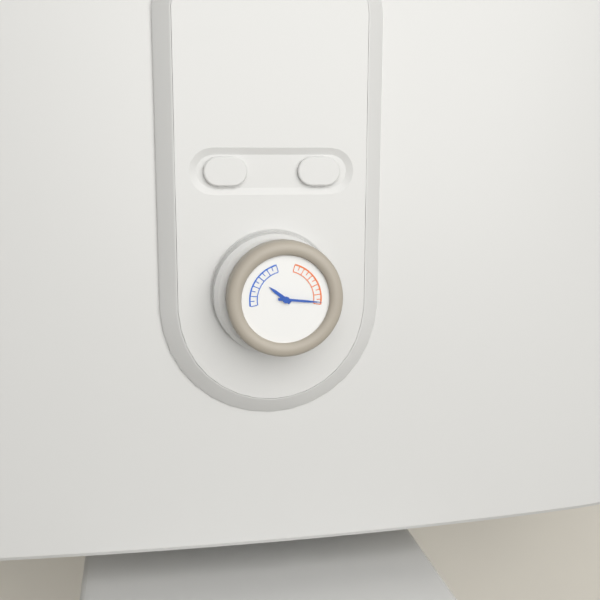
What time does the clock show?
10:16
